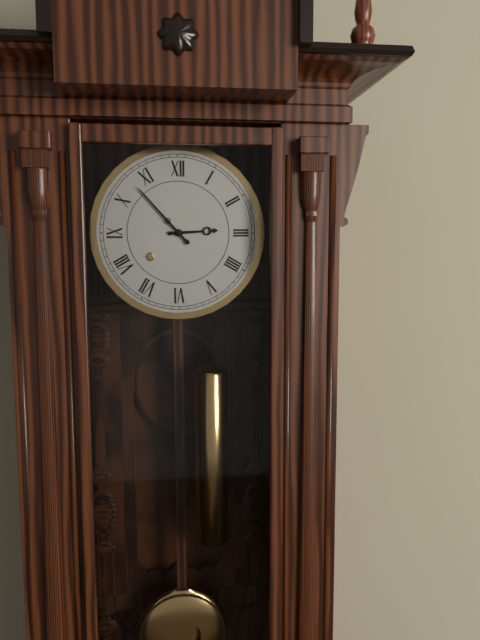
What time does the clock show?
2:53
